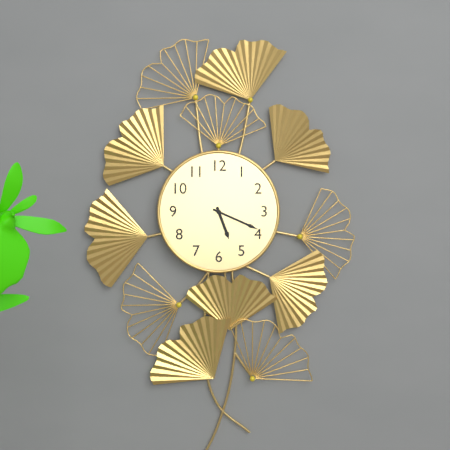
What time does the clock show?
5:19
